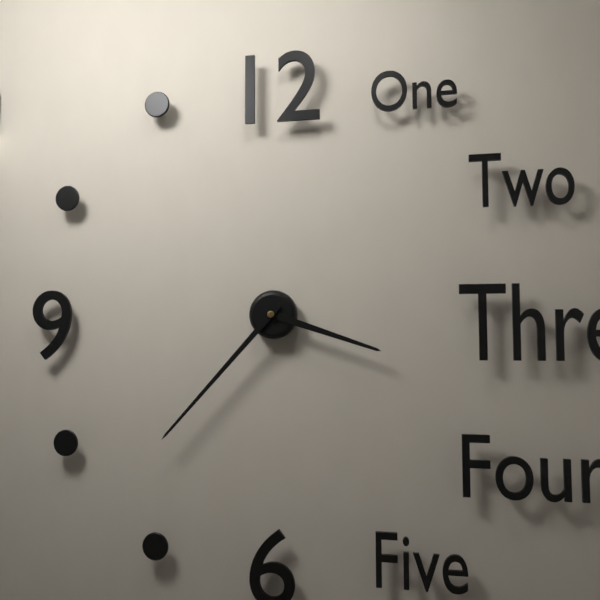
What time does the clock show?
3:37
